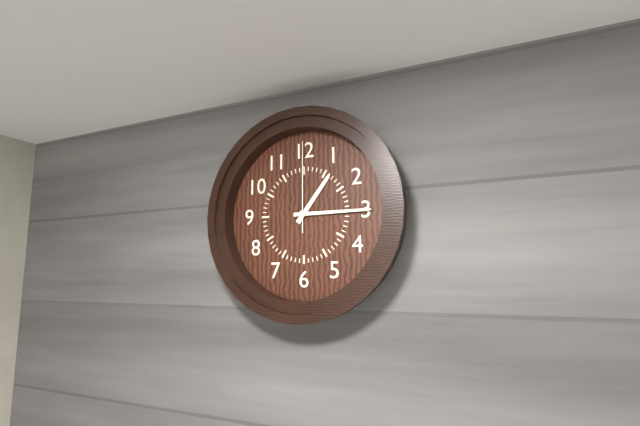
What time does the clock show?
1:15:00
